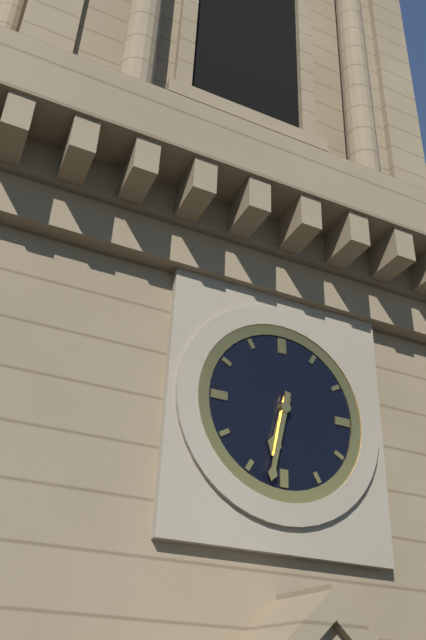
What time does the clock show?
6:32
